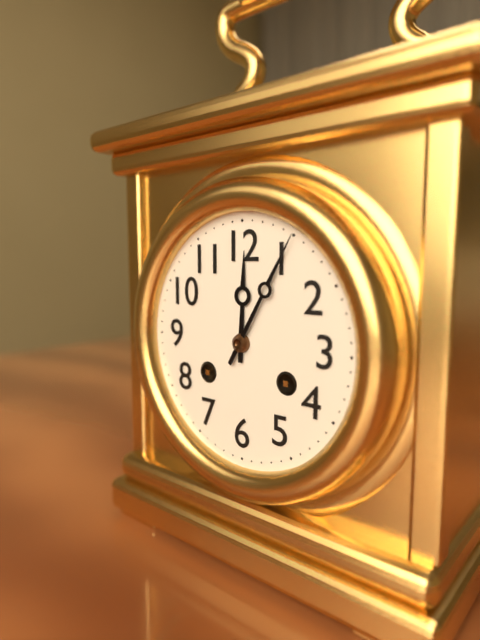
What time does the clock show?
12:05
